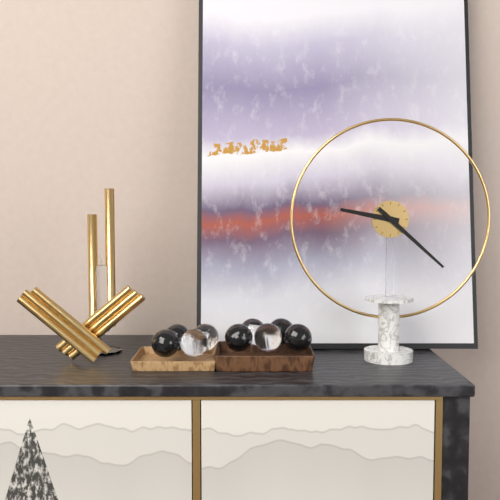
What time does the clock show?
9:22
